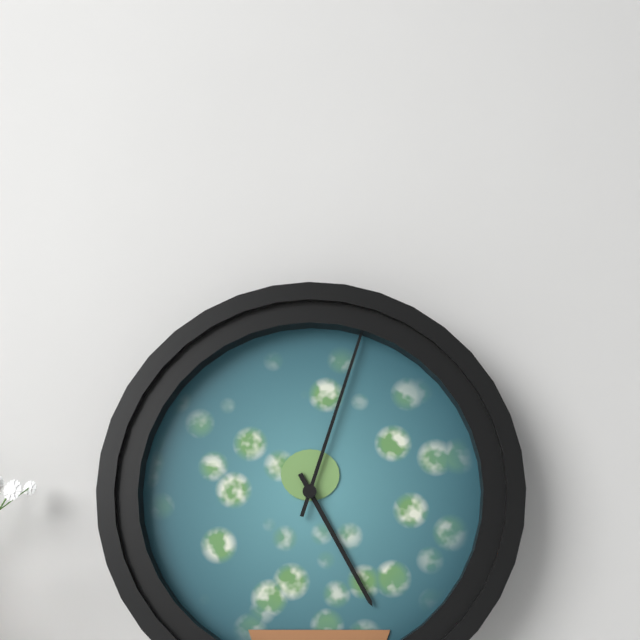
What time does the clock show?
5:03
